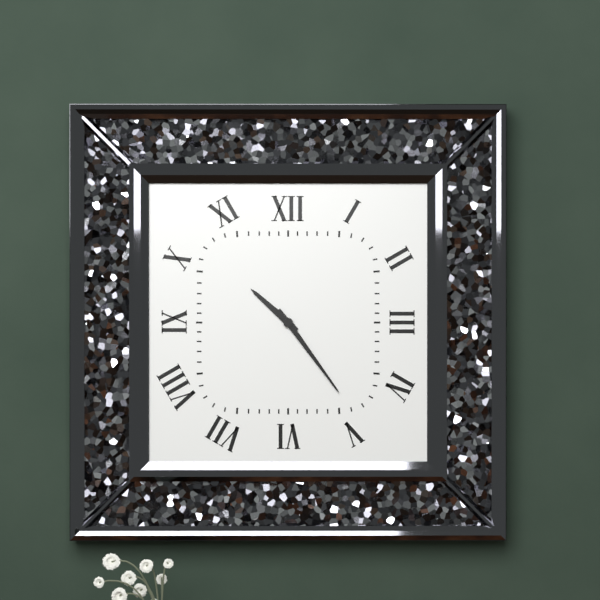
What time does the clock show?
10:24
